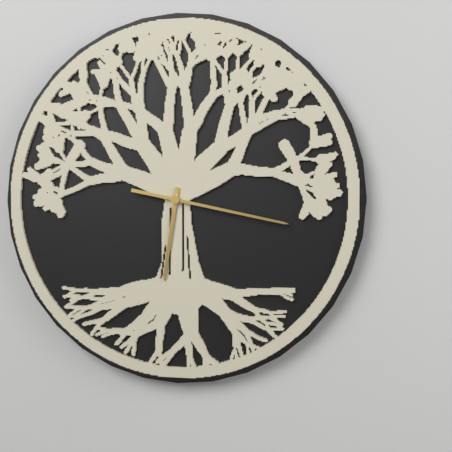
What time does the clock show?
6:17
